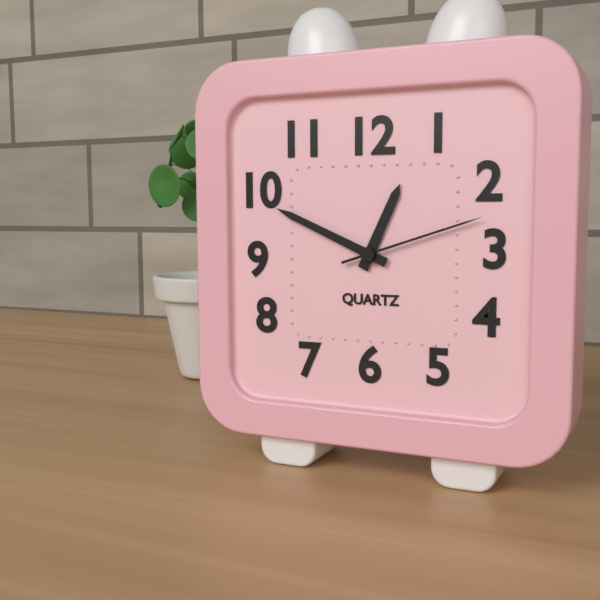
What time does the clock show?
12:49:12
